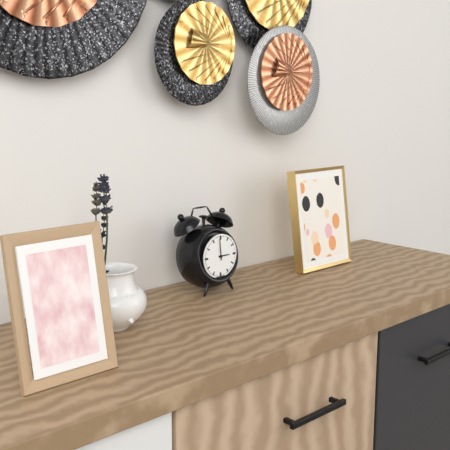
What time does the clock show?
2:59
